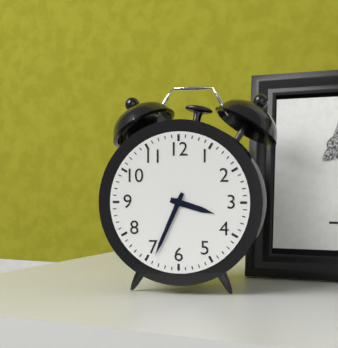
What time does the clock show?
3:34
